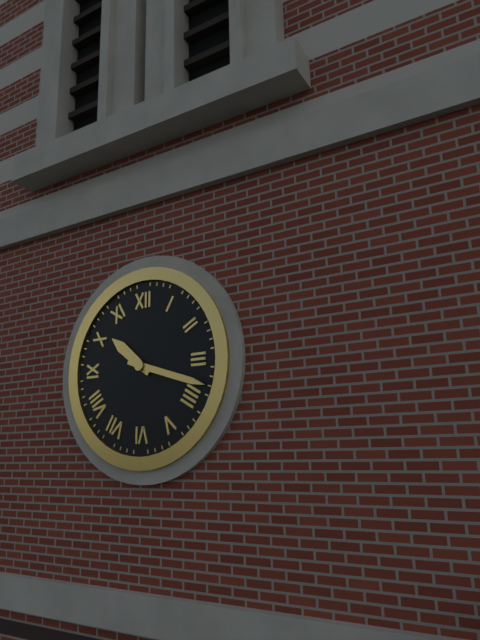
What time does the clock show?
10:18
